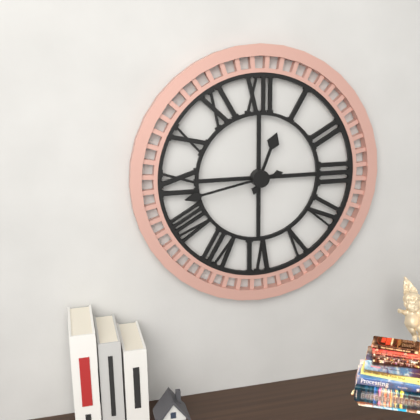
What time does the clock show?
12:43
